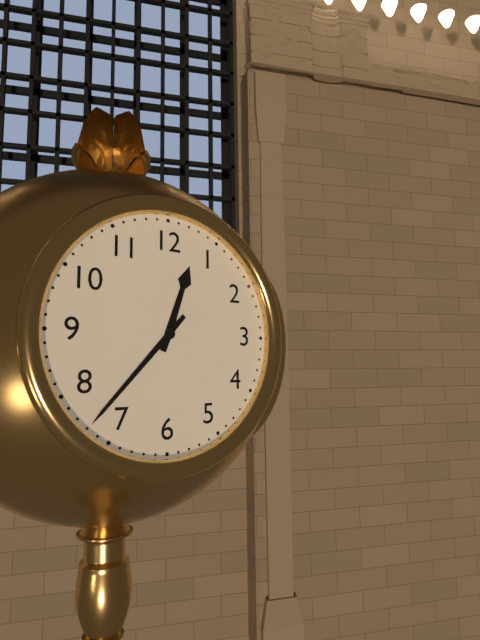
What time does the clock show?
12:37
